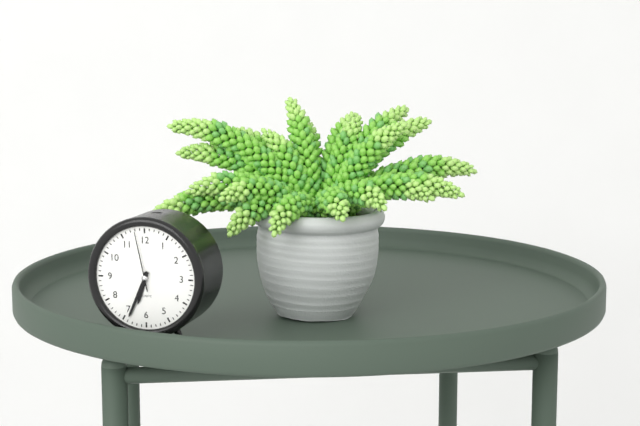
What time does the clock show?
6:34:58
